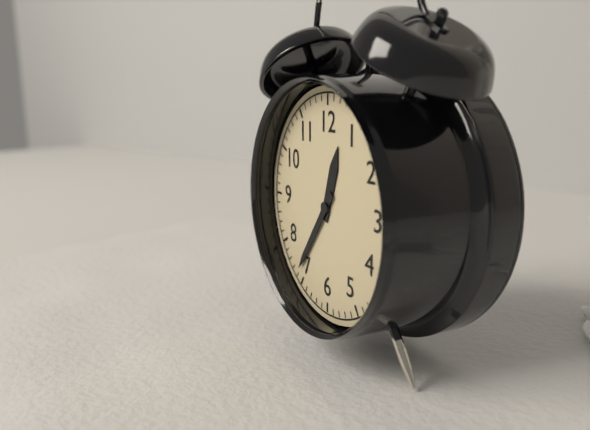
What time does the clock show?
12:36
